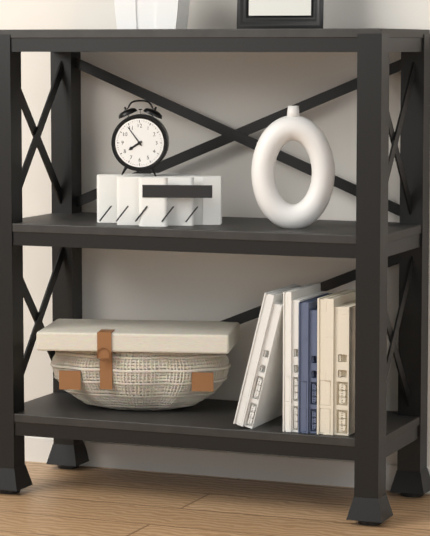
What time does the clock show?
7:54
